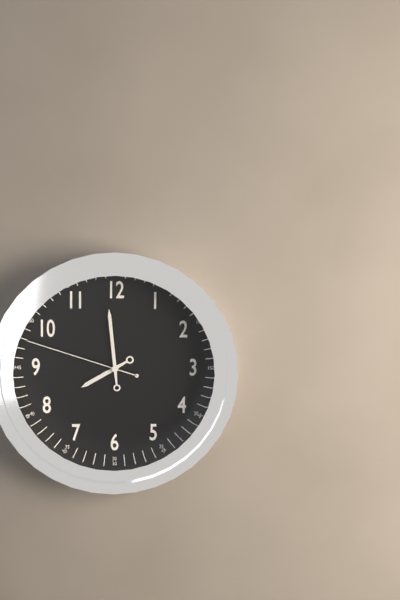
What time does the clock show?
7:59:48
